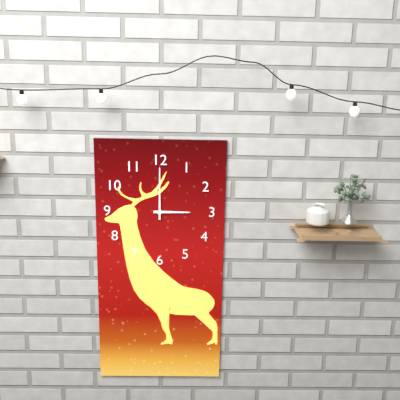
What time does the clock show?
3:00
